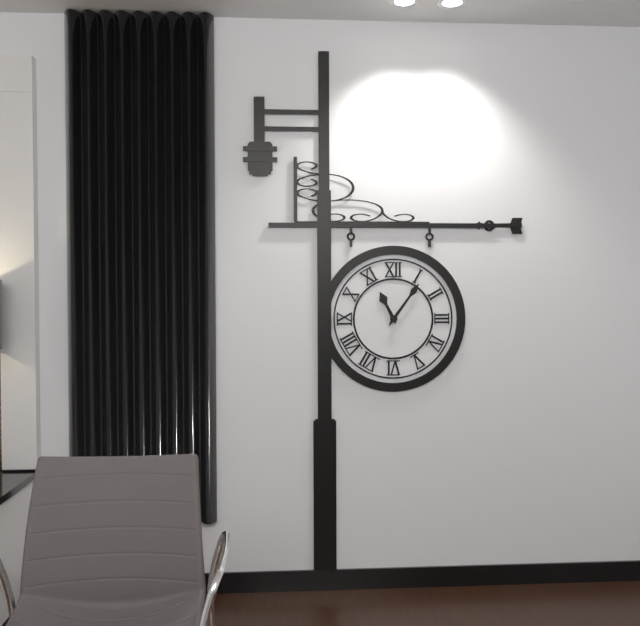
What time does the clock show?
11:06
